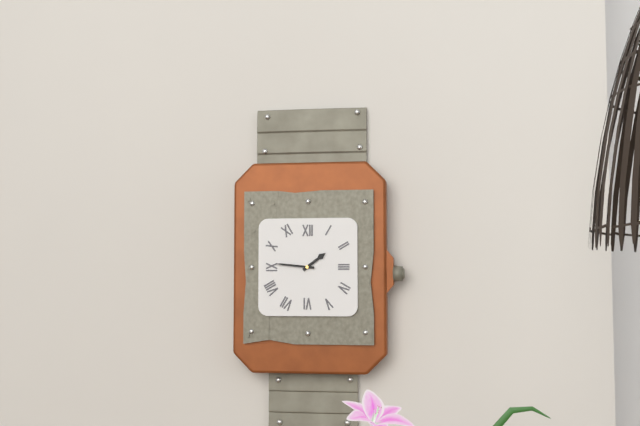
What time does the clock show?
1:46
